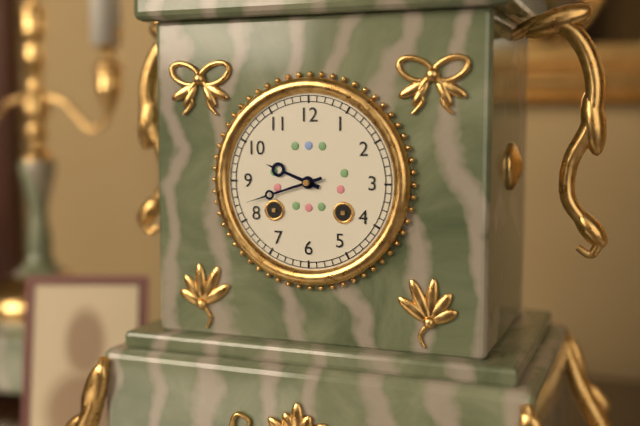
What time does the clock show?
9:42
